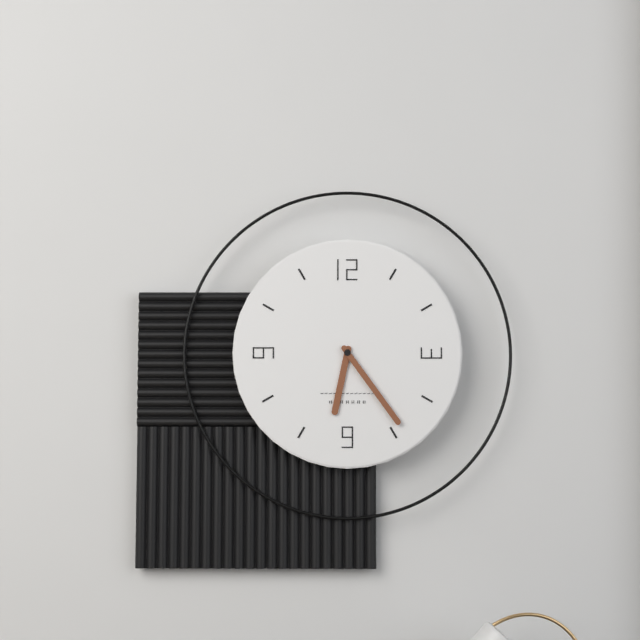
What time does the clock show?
6:24
